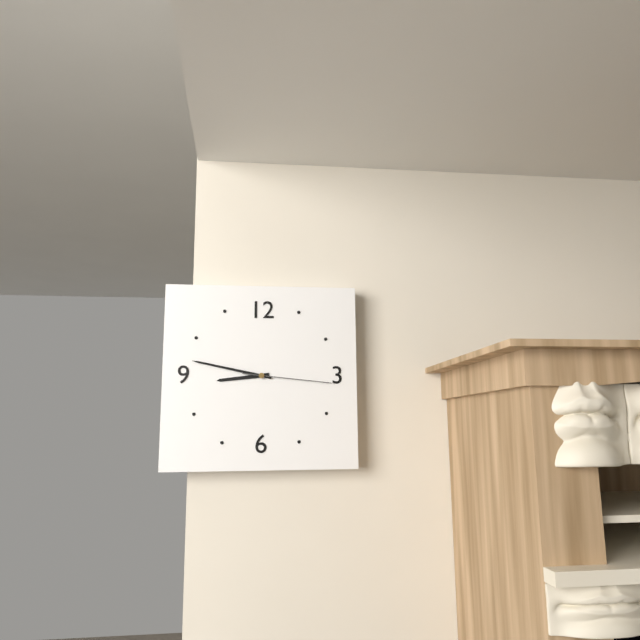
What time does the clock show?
8:47:16
